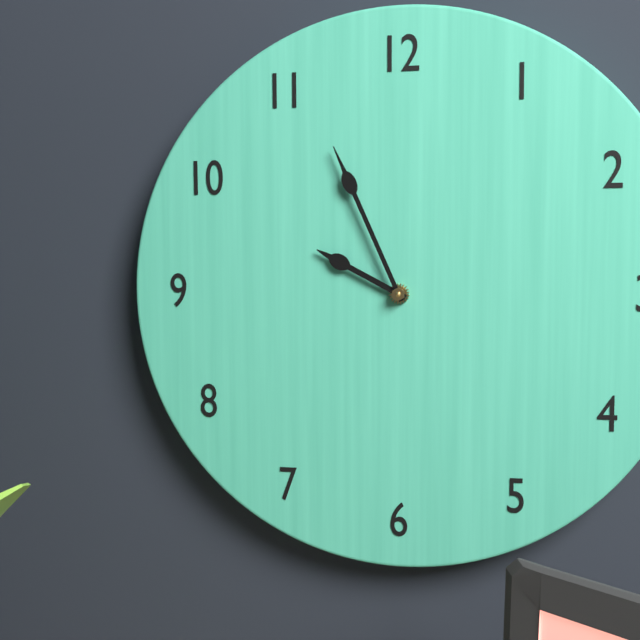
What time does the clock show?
9:56
